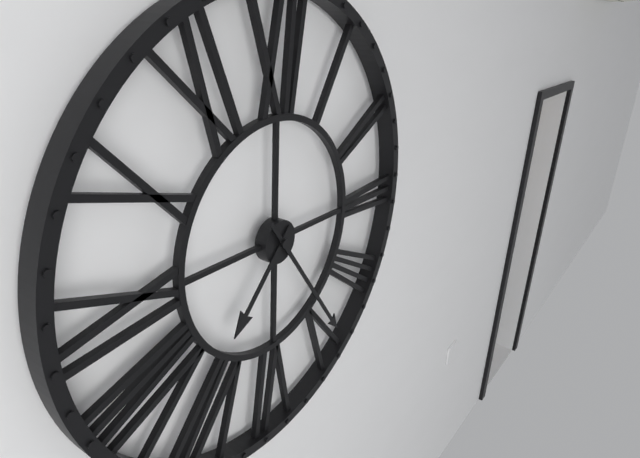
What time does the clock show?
7:24
